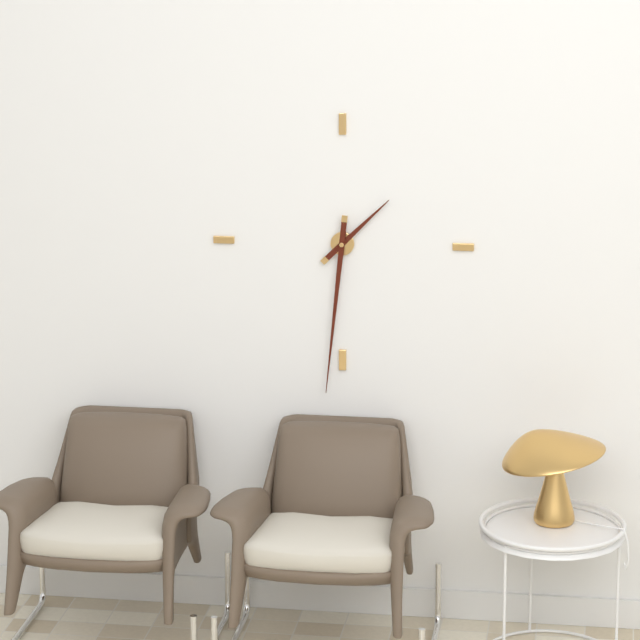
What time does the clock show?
1:31
